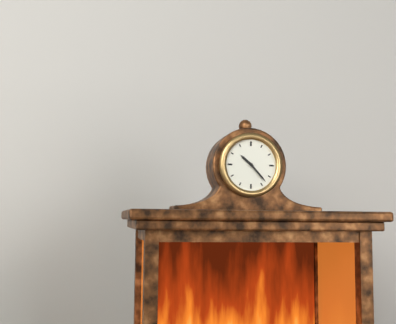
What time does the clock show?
10:23
